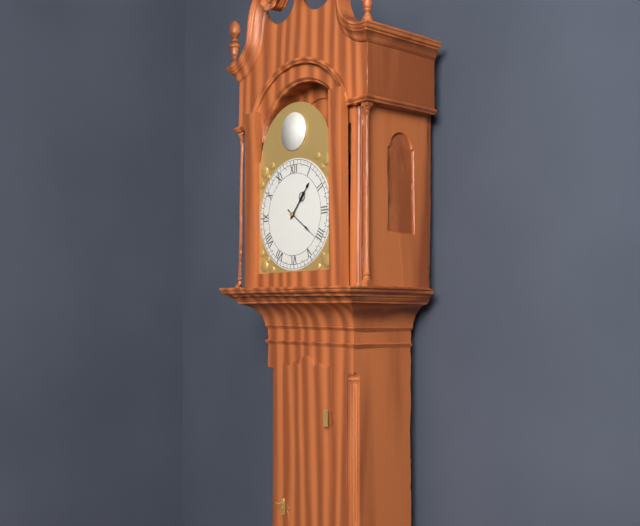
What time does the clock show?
1:21
